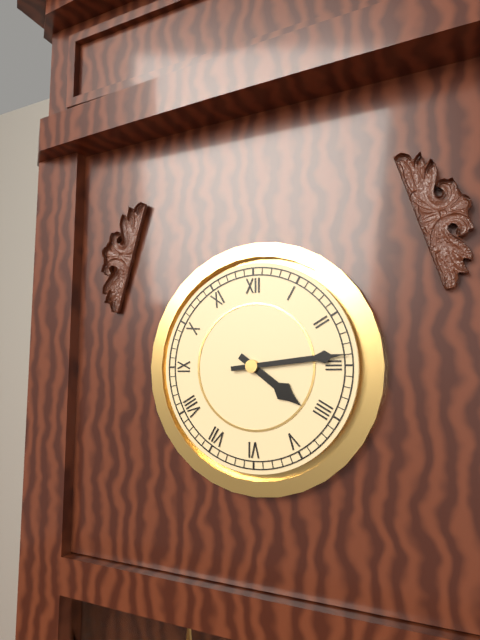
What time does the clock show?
4:14
